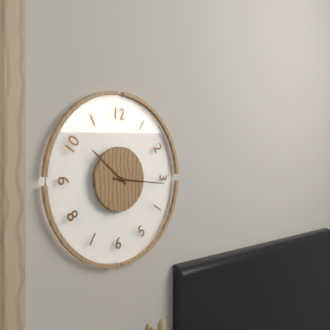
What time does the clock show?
10:16
